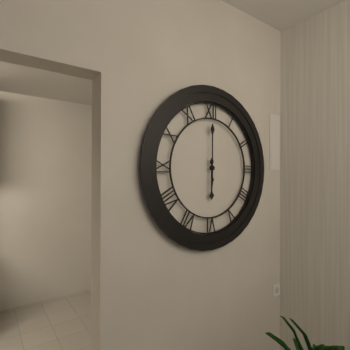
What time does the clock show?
6:00
